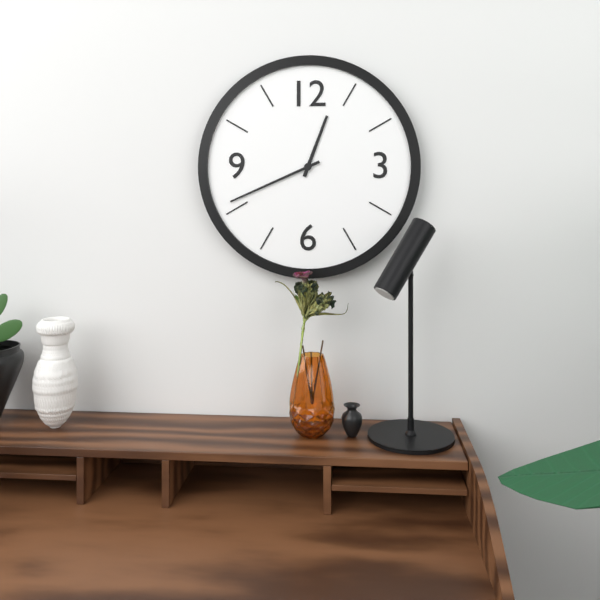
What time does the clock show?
12:41
